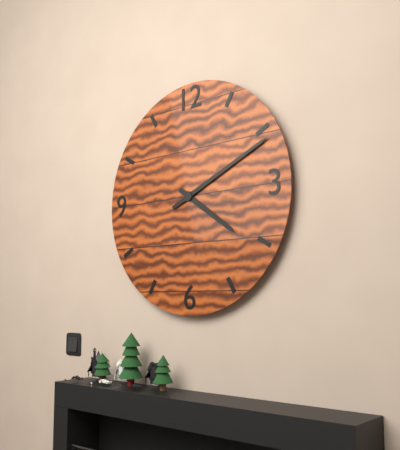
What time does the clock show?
4:11
